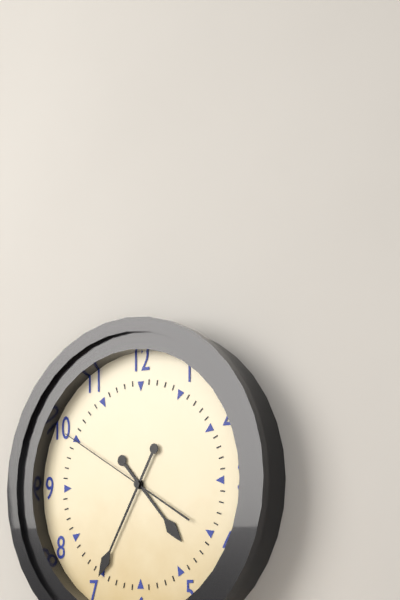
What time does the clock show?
4:35:50
